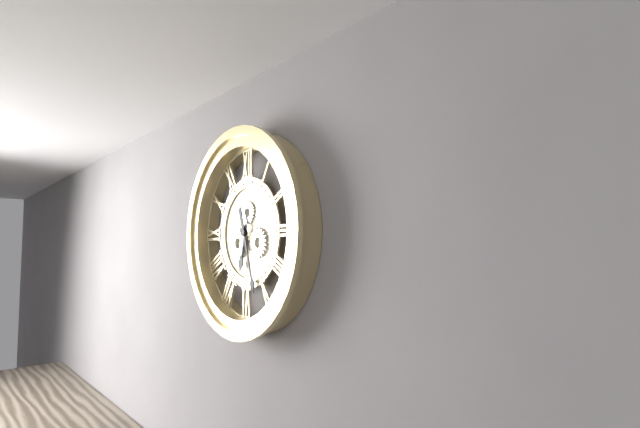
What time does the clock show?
6:27
